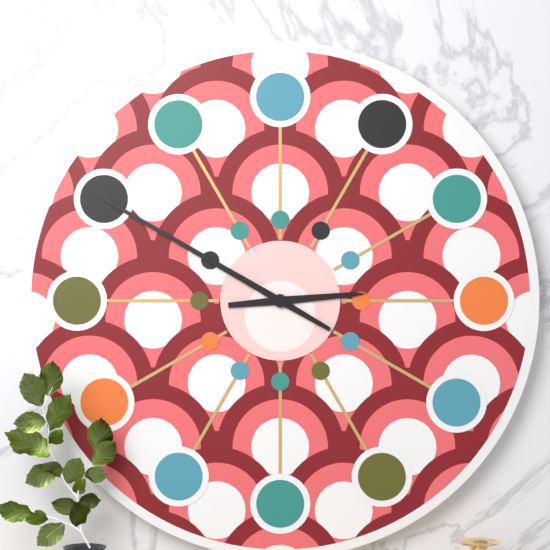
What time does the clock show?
2:50
